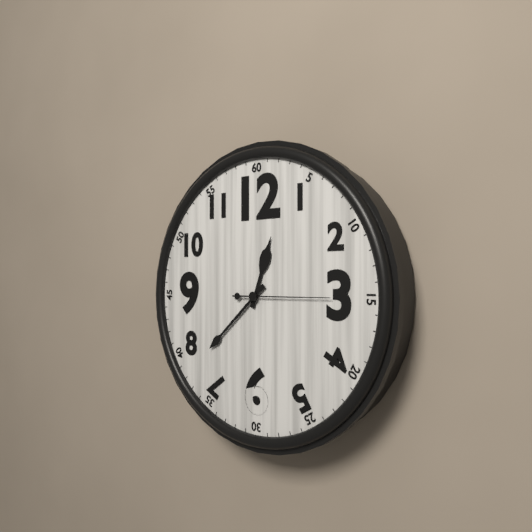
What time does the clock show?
12:38:15
